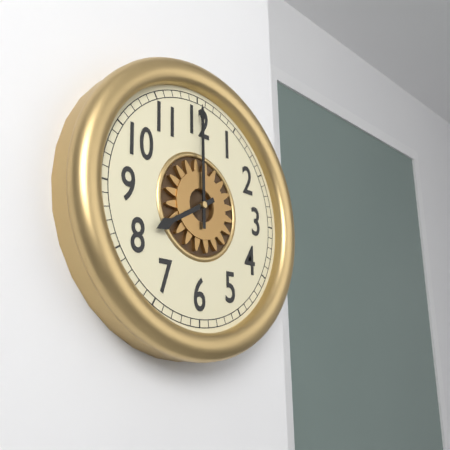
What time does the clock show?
8:00
